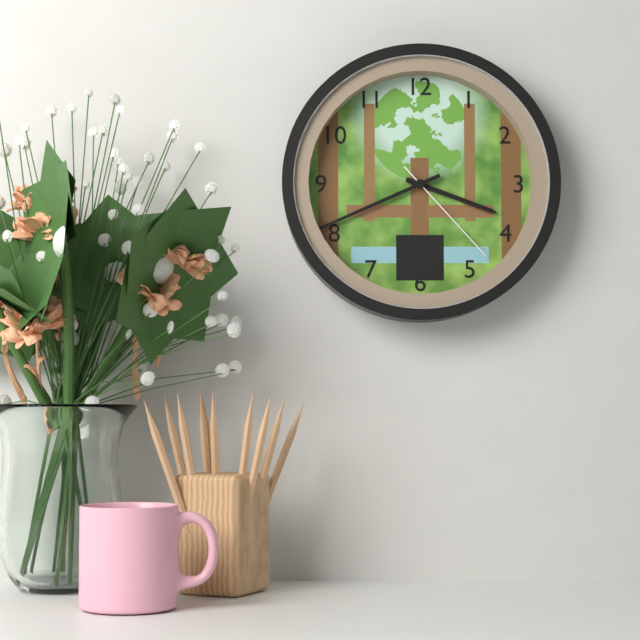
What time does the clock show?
3:41:23
